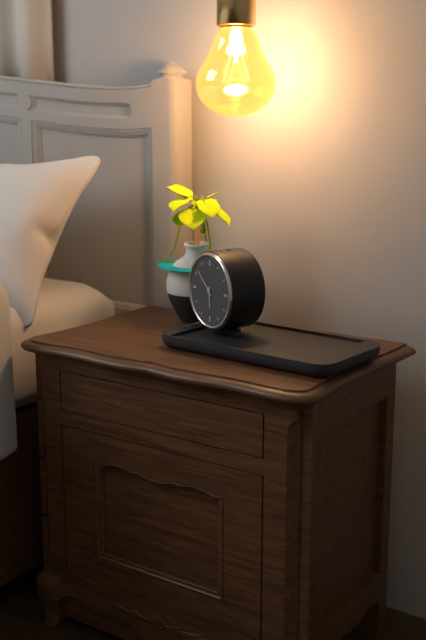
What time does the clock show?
5:52
